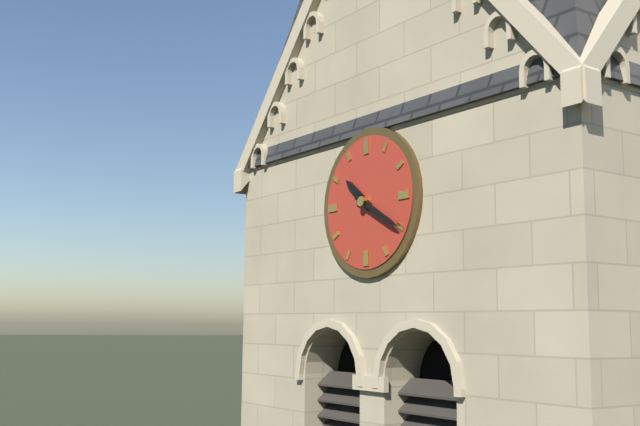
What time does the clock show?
10:20
